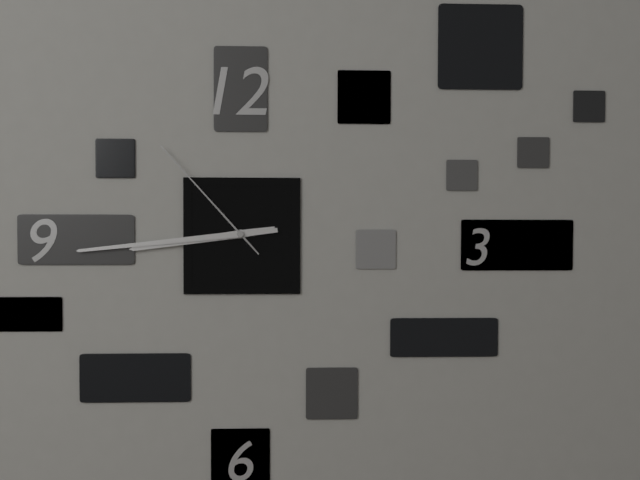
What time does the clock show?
8:44:53
